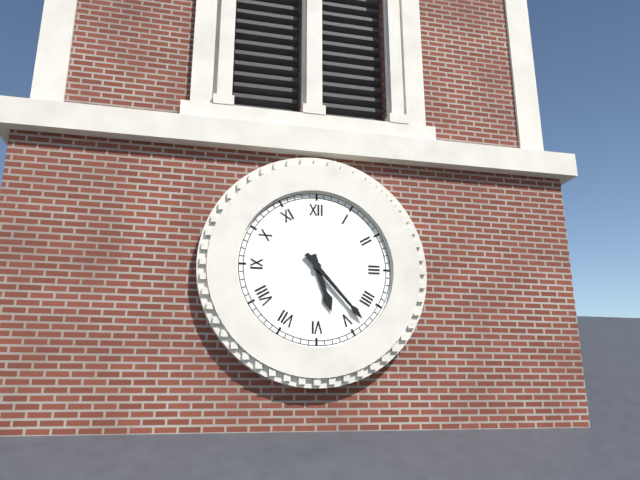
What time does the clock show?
5:23
